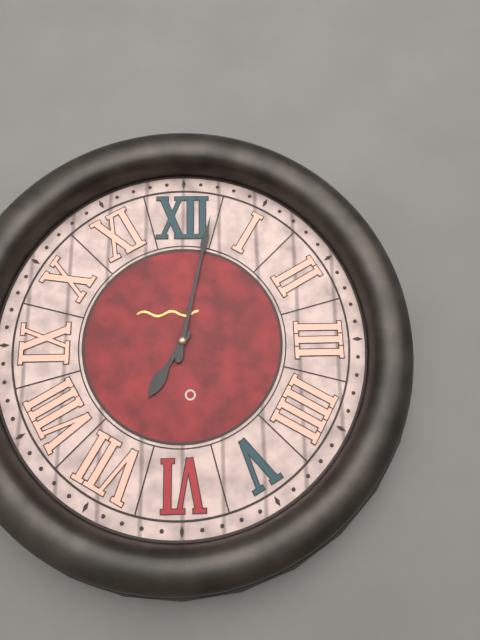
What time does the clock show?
7:02
